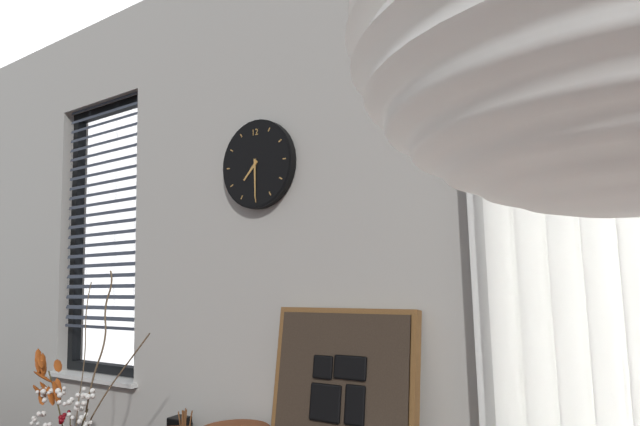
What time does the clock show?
7:30
